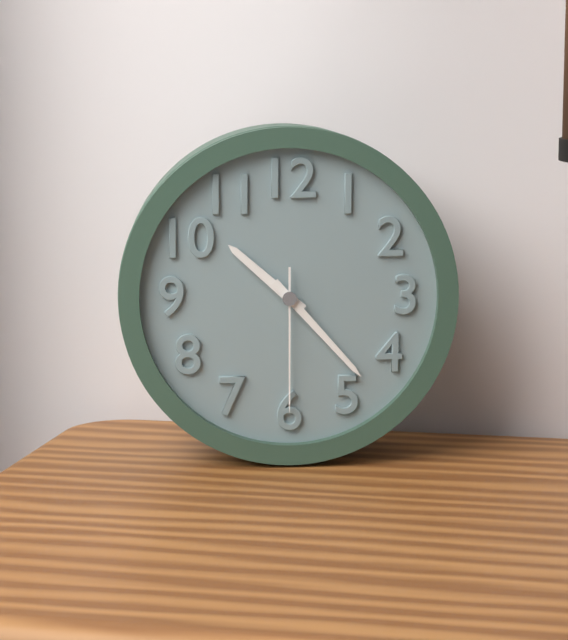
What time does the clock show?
10:23:30
